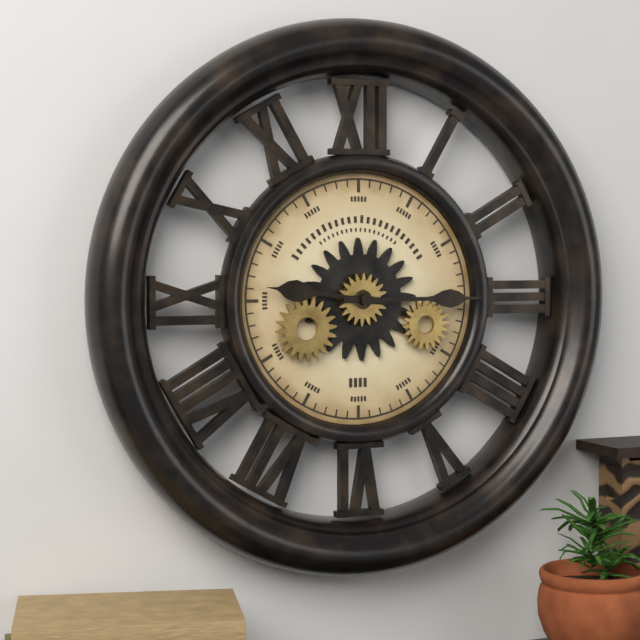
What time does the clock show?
9:15
